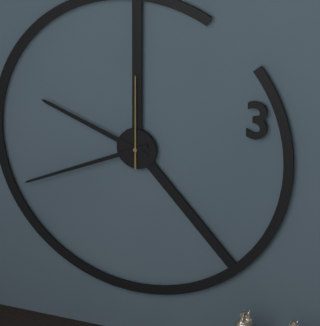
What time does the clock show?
9:41:00
